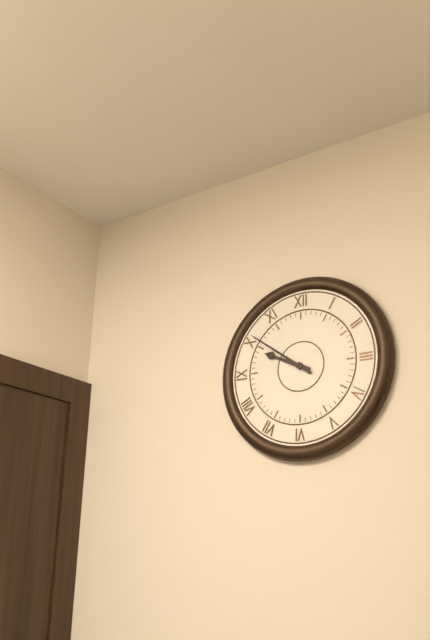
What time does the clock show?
9:51
